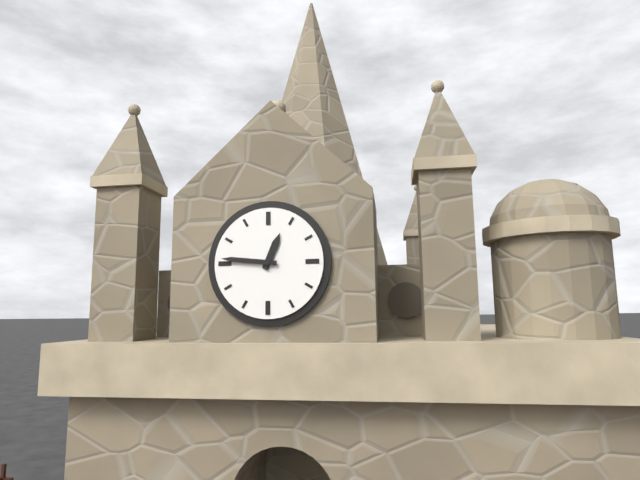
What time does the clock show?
12:46
